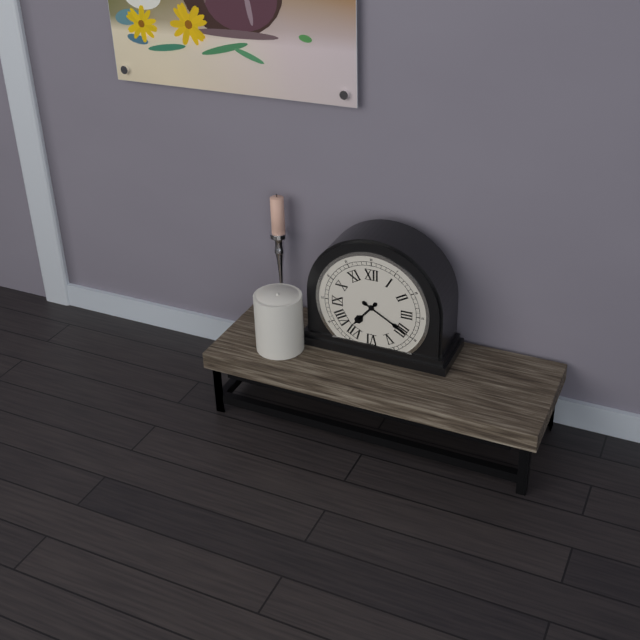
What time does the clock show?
7:20
